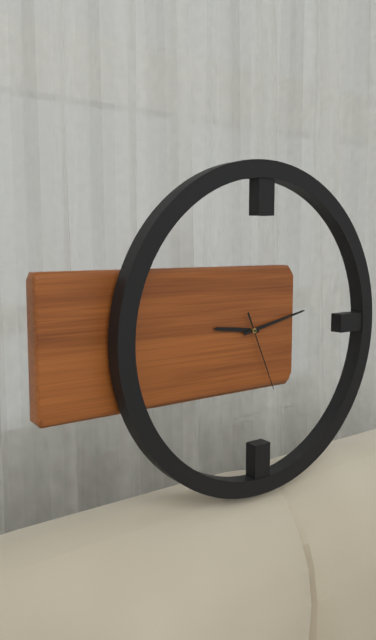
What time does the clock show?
9:13:26
